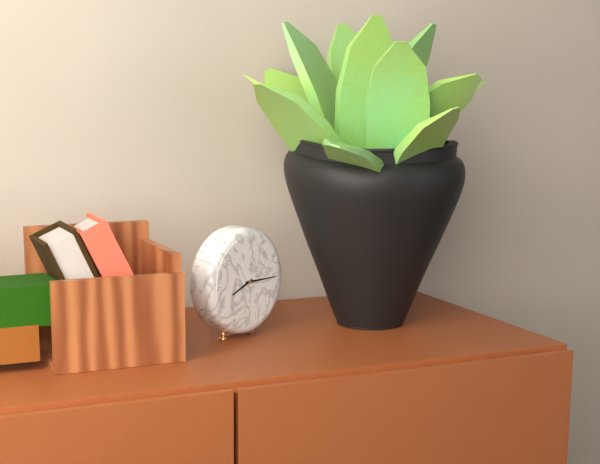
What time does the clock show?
8:15
